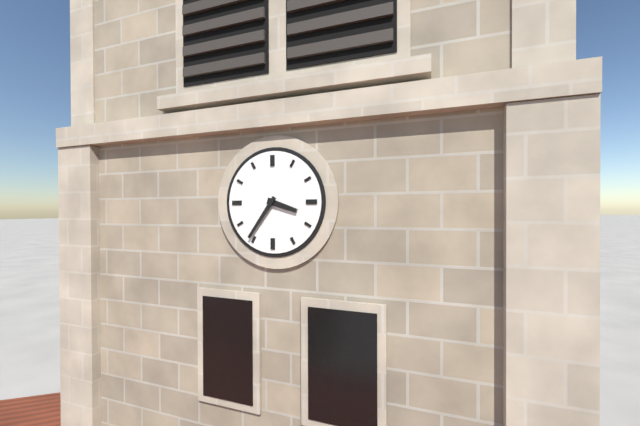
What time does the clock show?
3:36
